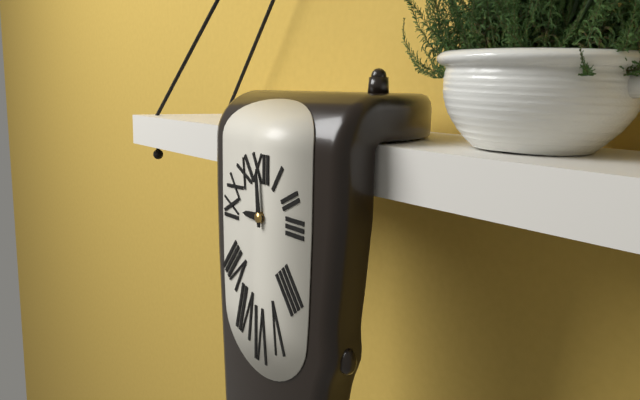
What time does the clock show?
8:59
